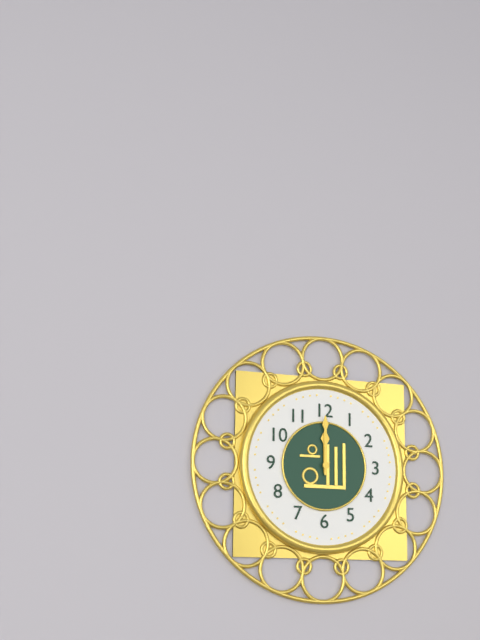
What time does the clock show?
12:00
